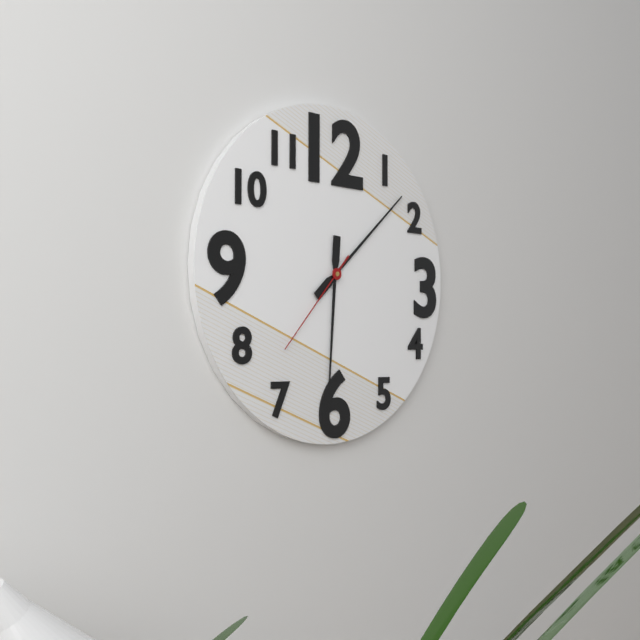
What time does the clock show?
6:08:37
